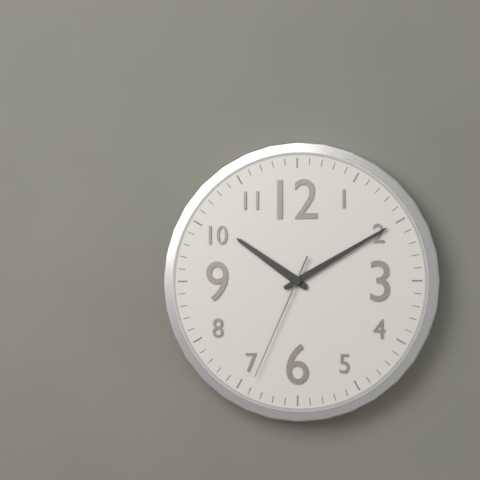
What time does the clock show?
10:10:34
